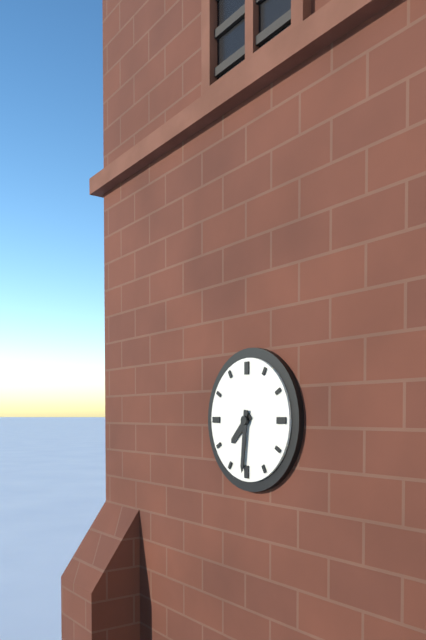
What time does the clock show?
7:31
